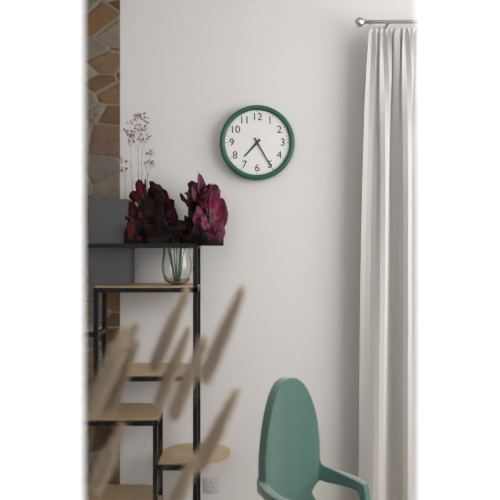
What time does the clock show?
7:25
